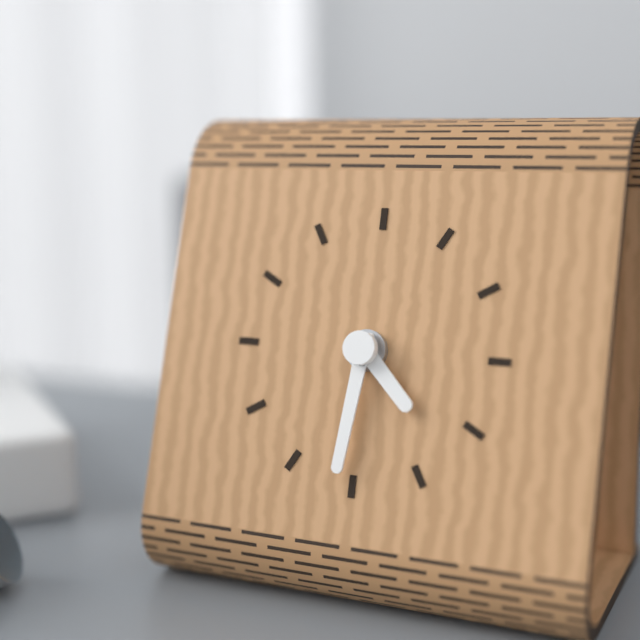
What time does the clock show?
4:31
